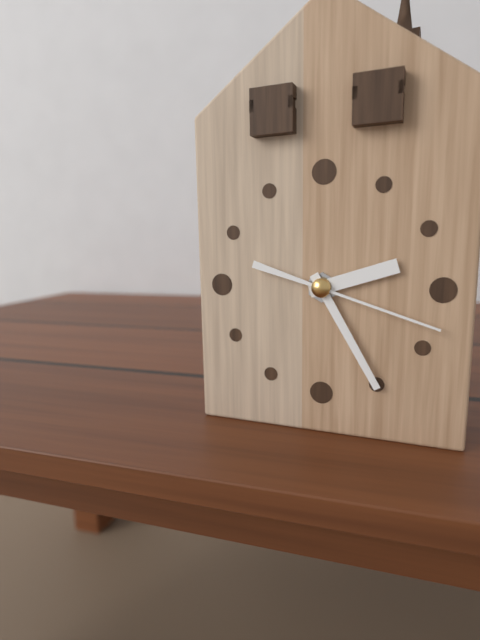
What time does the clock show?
2:25:18
